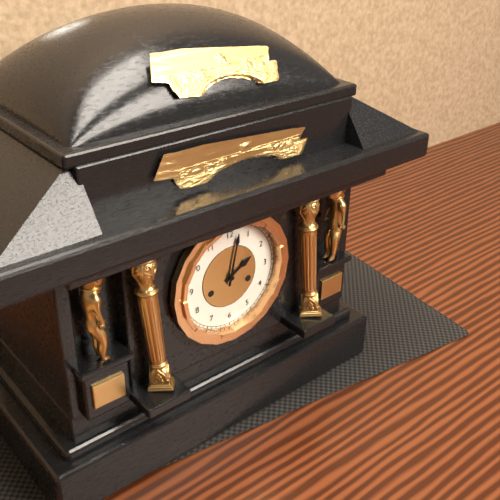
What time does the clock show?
2:02
